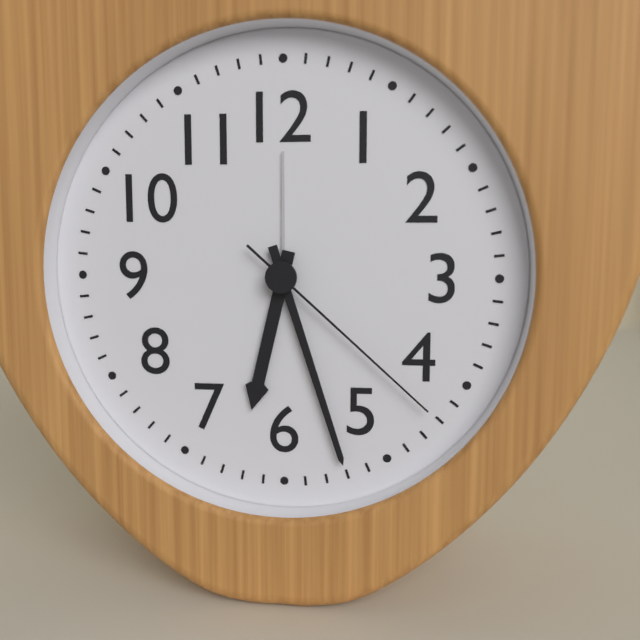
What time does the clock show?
6:27:22
